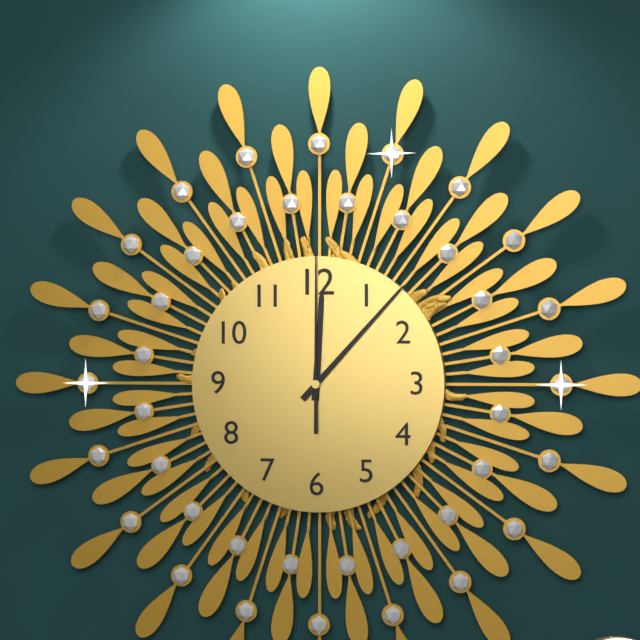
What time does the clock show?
12:07:00
